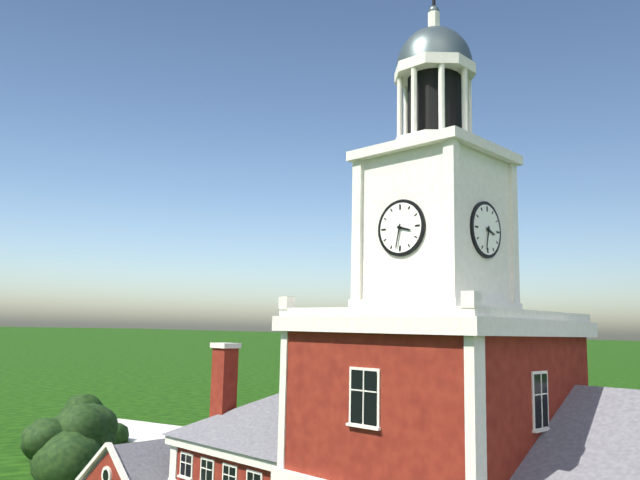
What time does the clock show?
3:32
